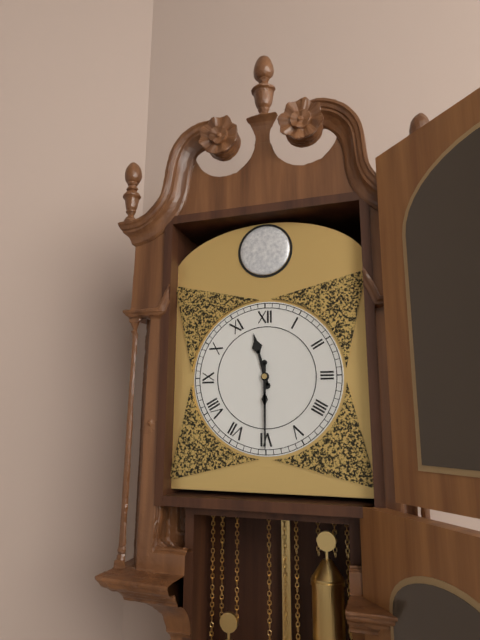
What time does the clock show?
11:30
